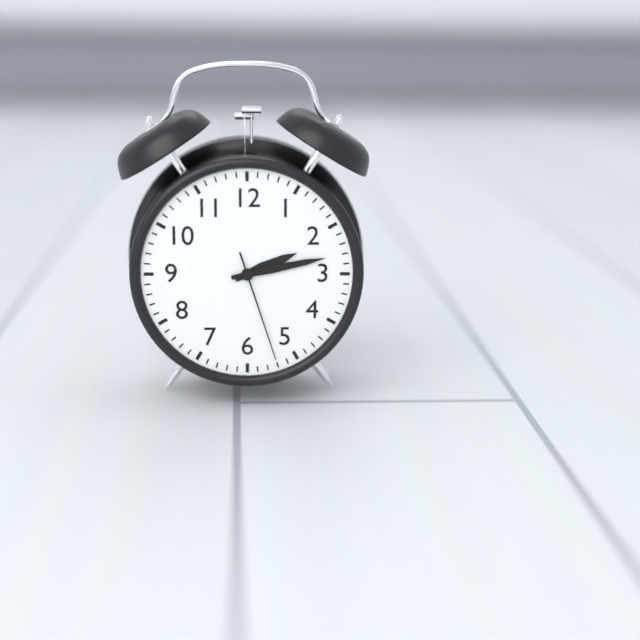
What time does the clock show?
2:13:27
